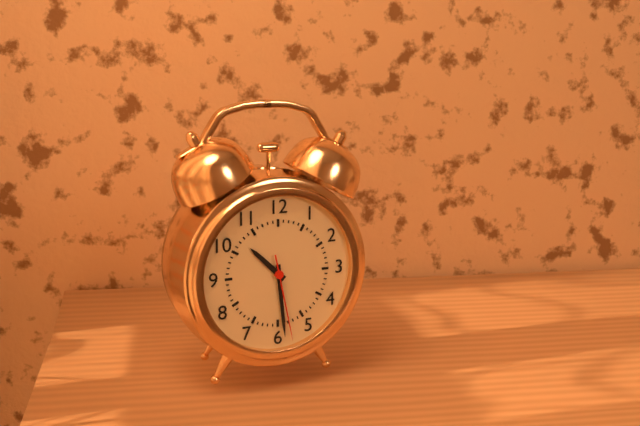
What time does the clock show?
10:29:28
